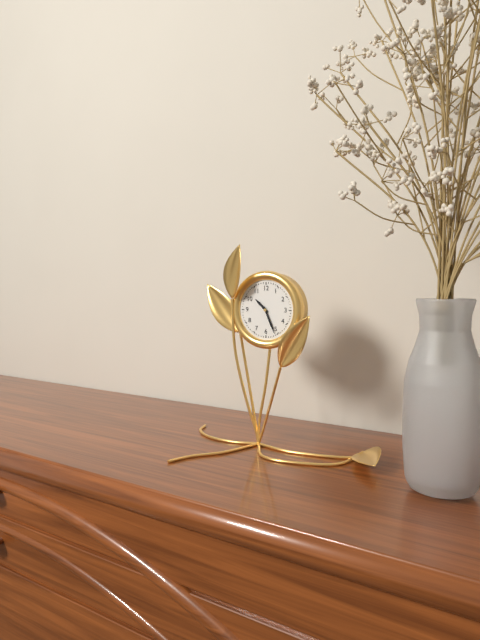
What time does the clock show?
10:26
